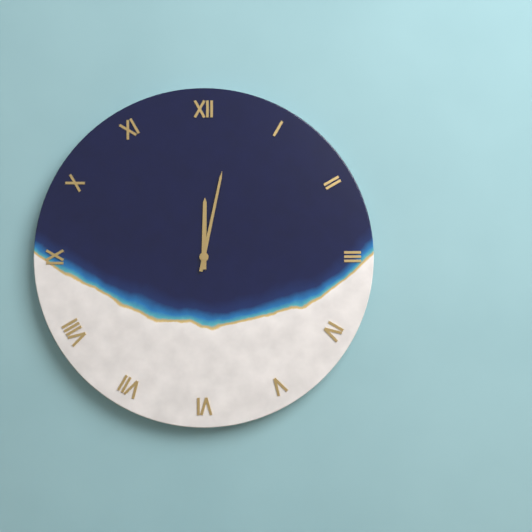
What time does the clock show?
12:02
